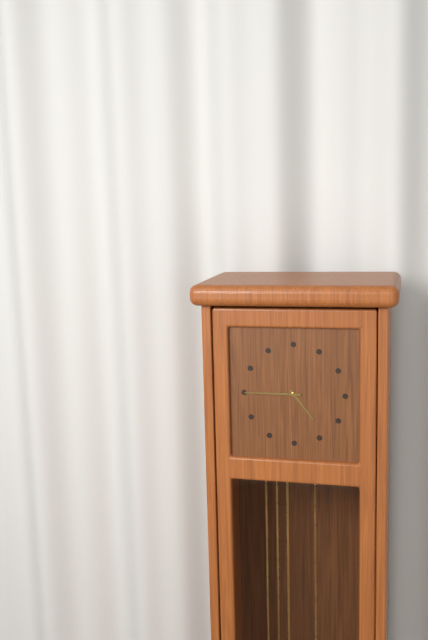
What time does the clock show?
4:45
